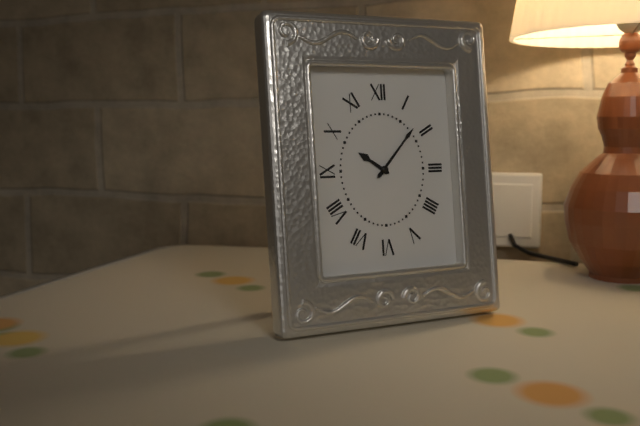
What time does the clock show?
10:07
